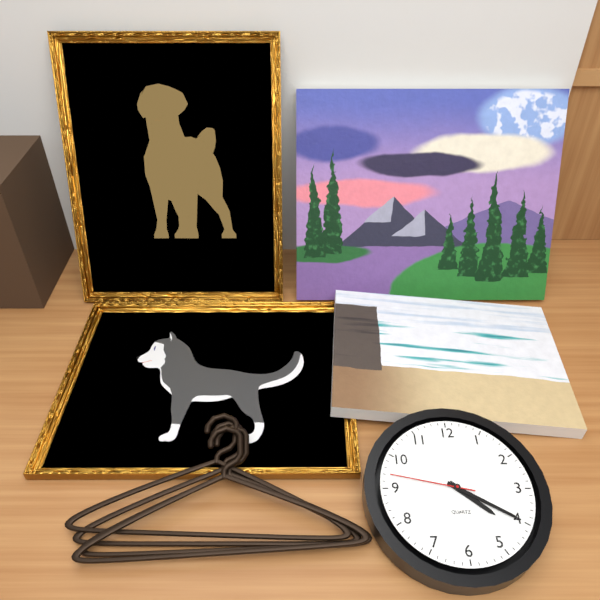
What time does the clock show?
4:20:47
